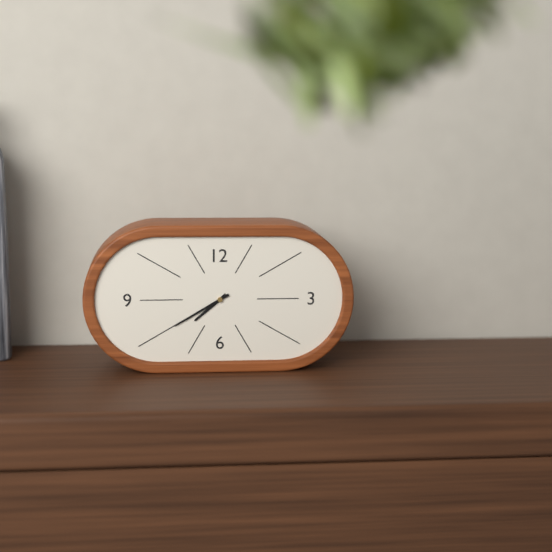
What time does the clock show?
7:40
